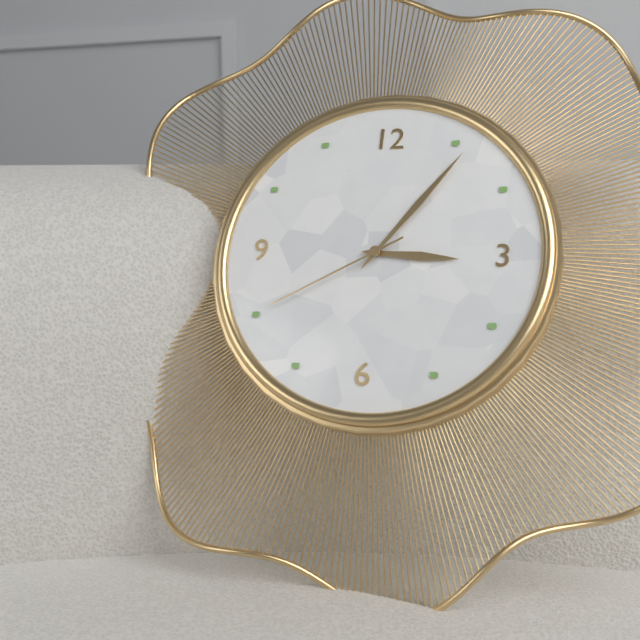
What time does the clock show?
3:06:40
